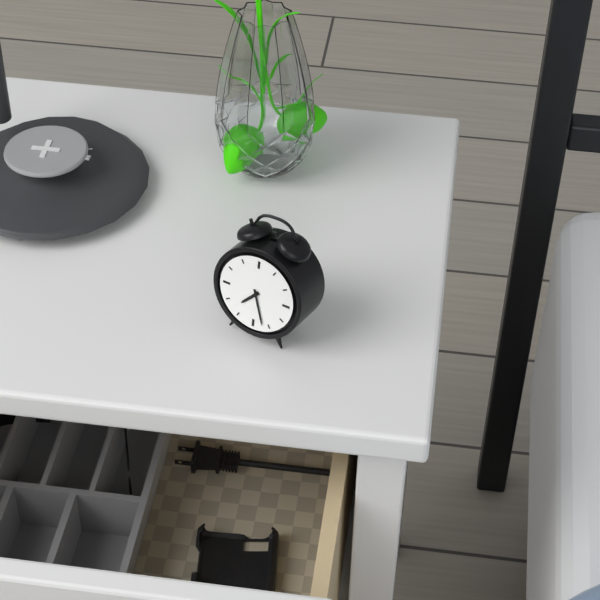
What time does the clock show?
7:27
